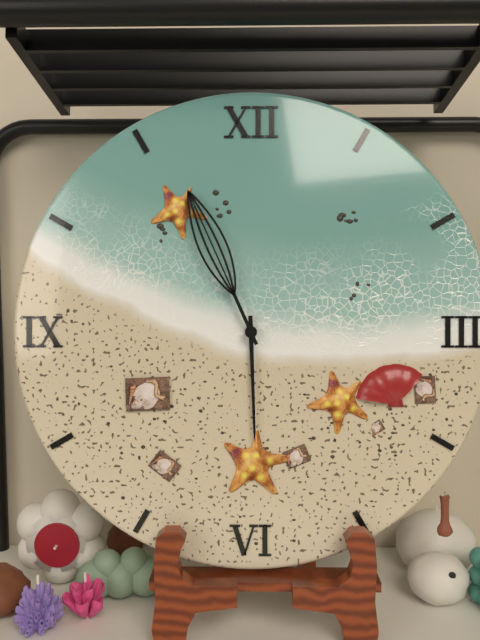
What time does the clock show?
5:56
